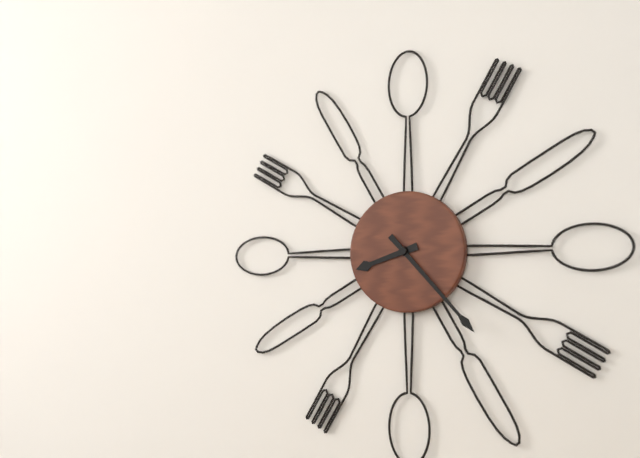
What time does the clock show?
8:23
